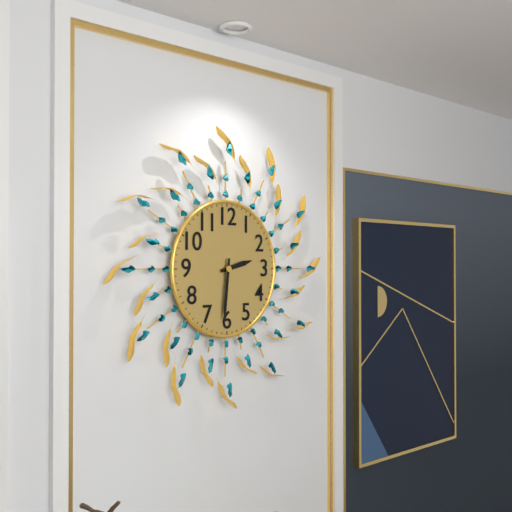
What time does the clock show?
2:31
